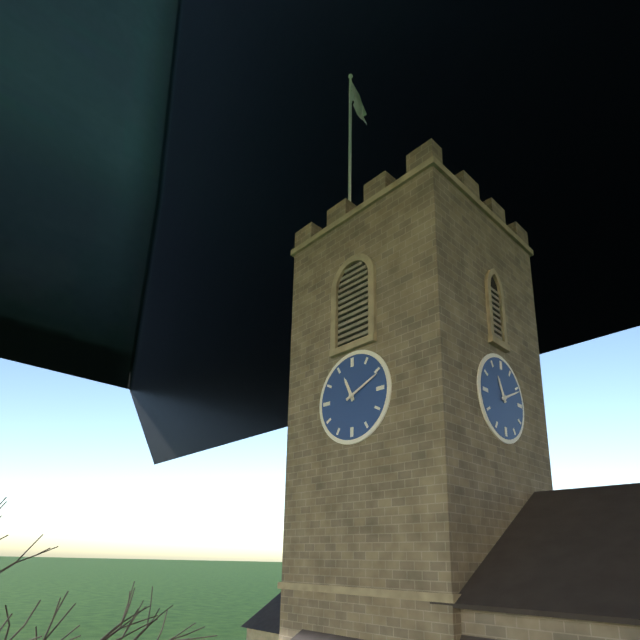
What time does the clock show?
11:11
